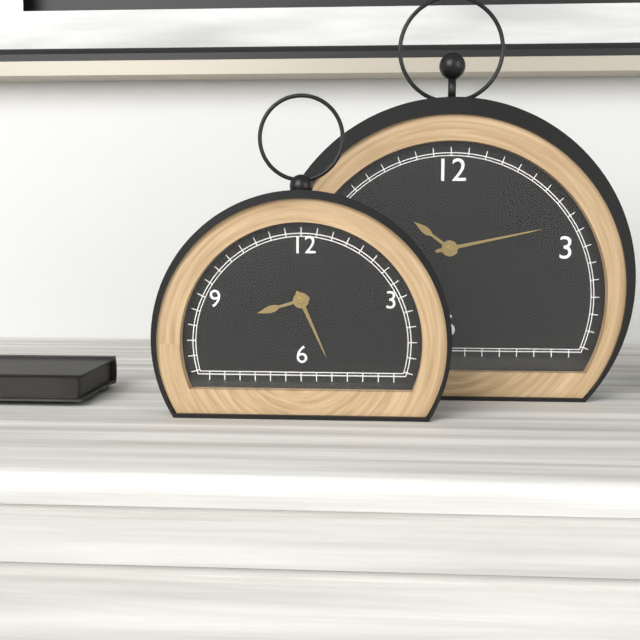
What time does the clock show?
8:26
